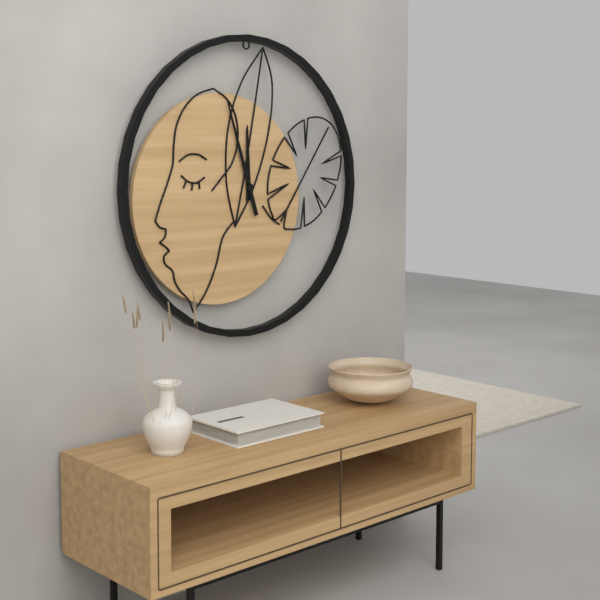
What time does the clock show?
11:57
